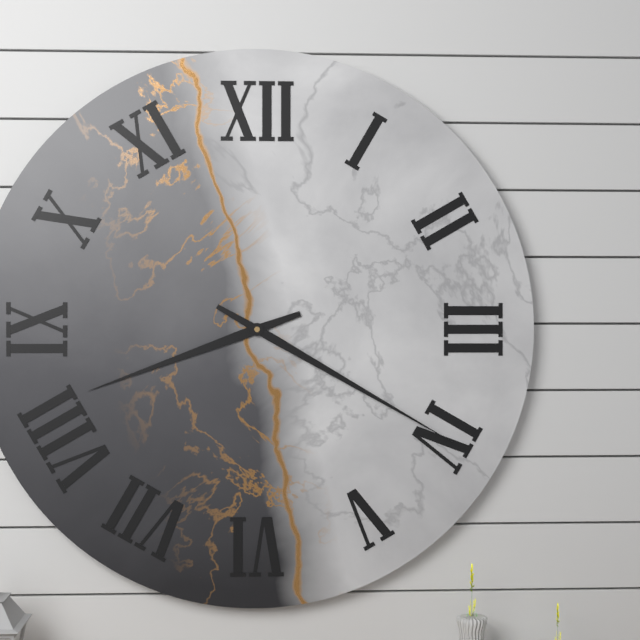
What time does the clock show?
8:20
